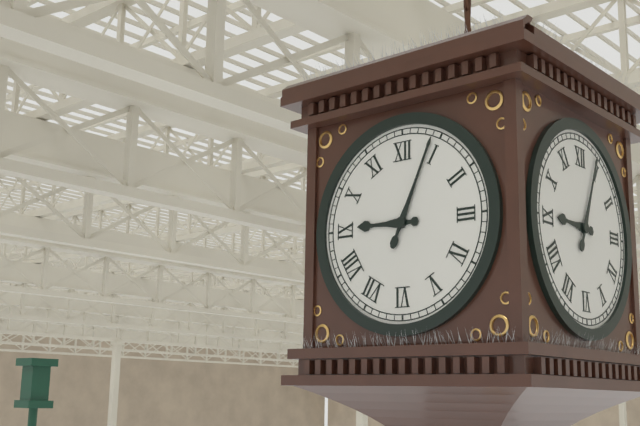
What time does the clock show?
9:04
